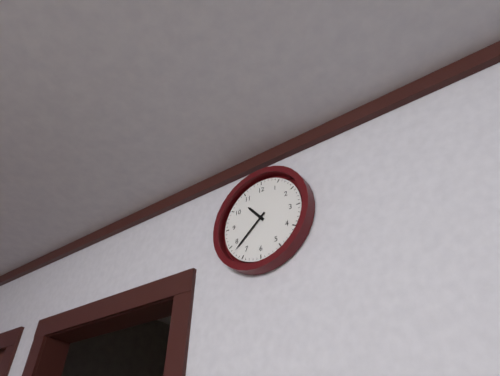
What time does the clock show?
10:38
